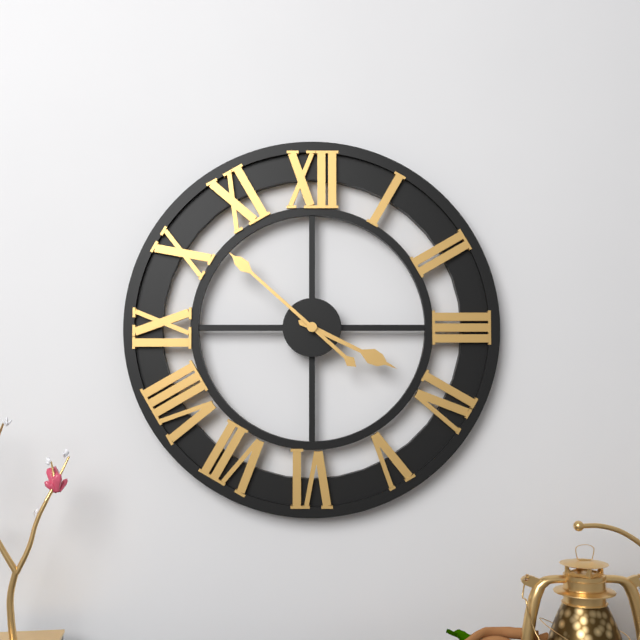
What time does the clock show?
3:52
